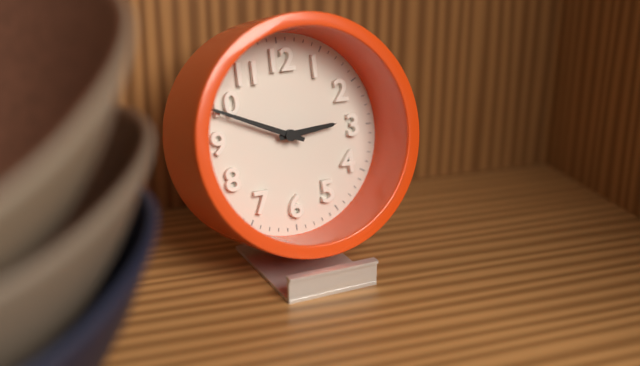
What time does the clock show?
2:49
